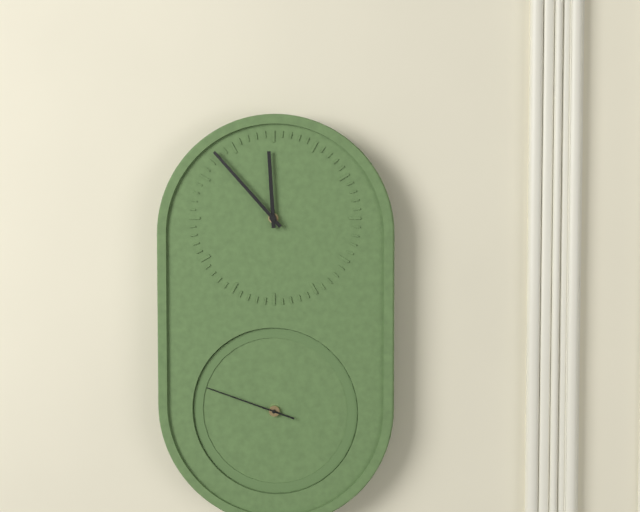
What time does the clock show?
11:53:48
